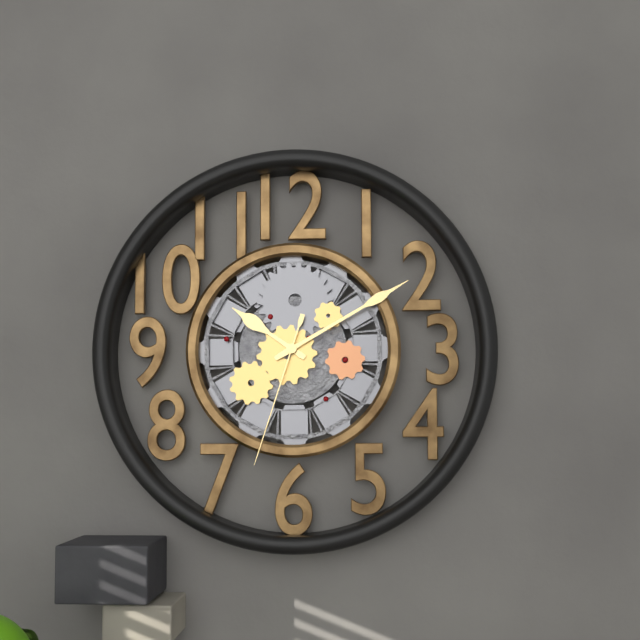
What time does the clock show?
10:10:33
